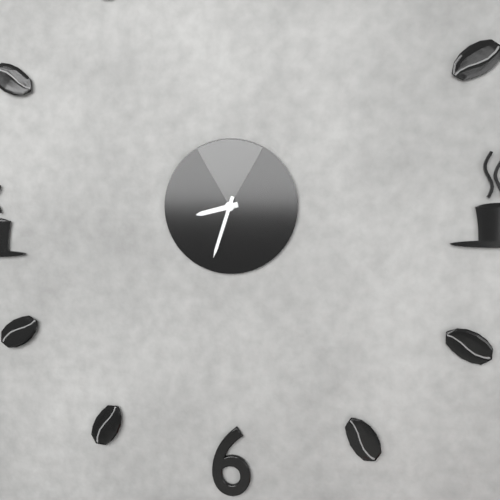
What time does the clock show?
8:33
